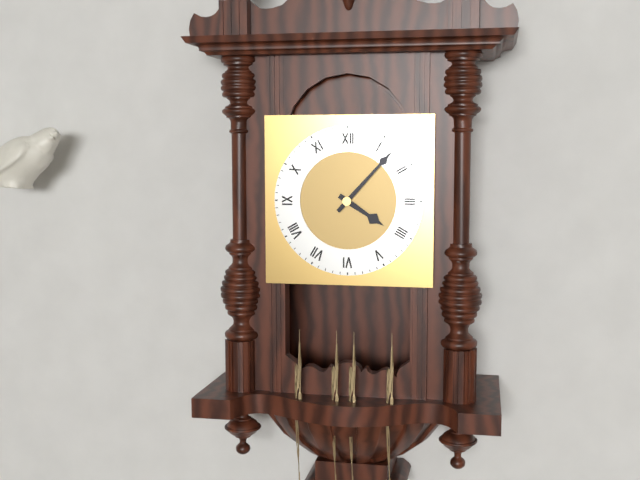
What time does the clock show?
4:07
